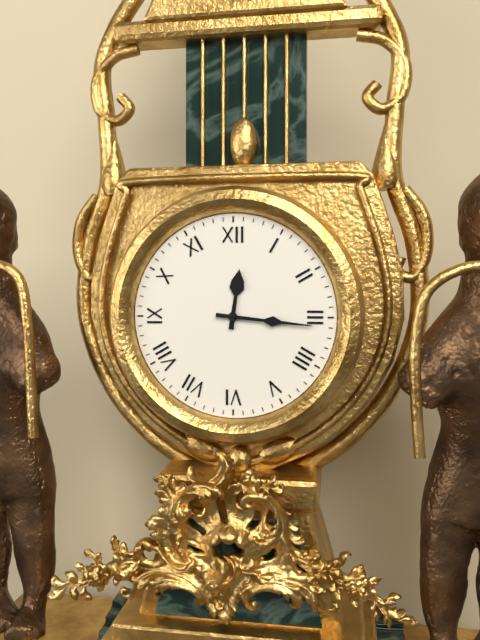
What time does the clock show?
12:16
